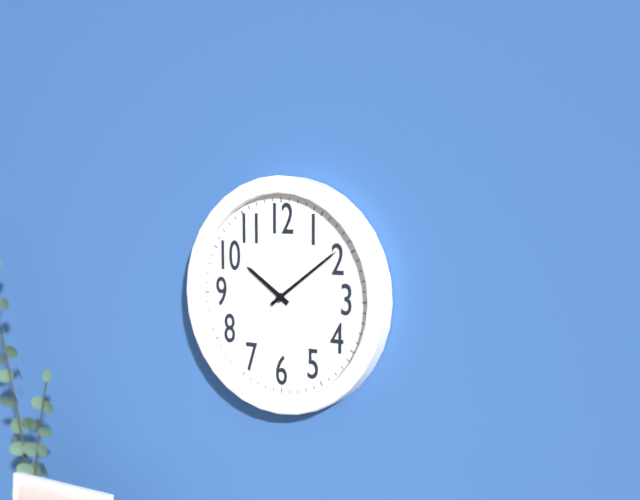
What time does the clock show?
10:09
